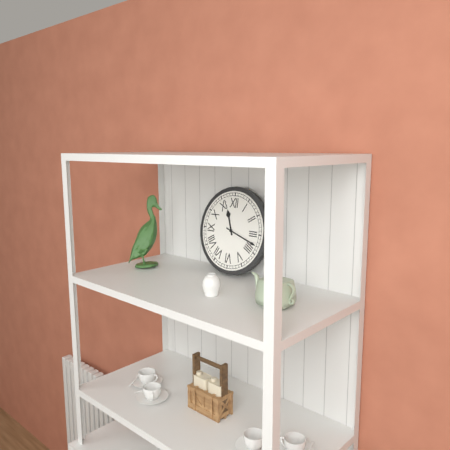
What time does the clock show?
11:18
